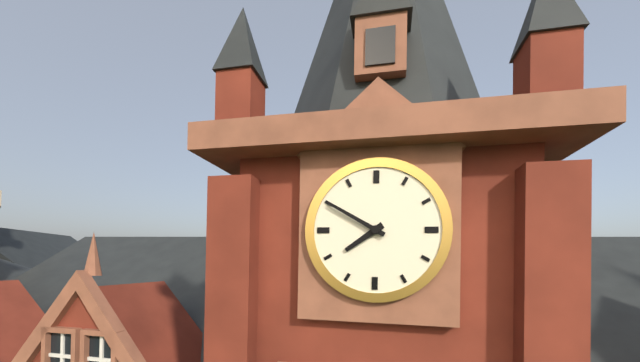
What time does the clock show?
7:50
